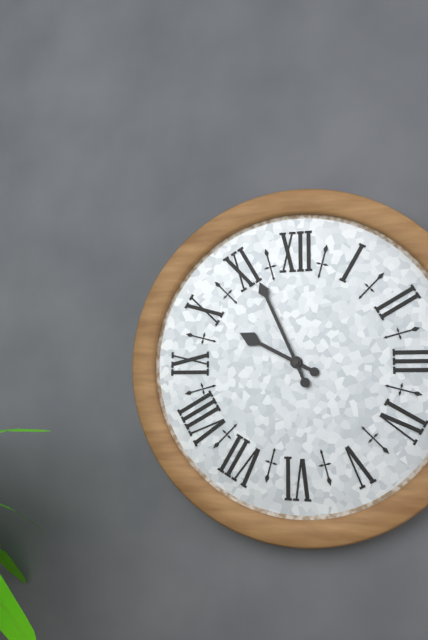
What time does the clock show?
9:56
